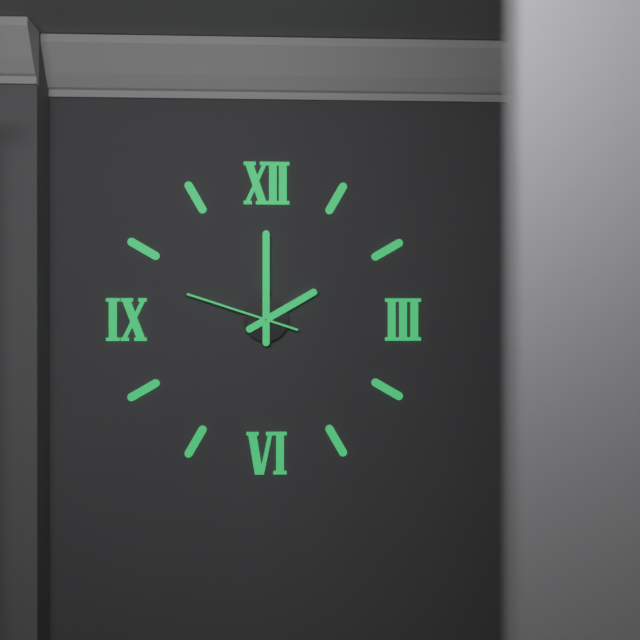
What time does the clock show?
2:00:48
